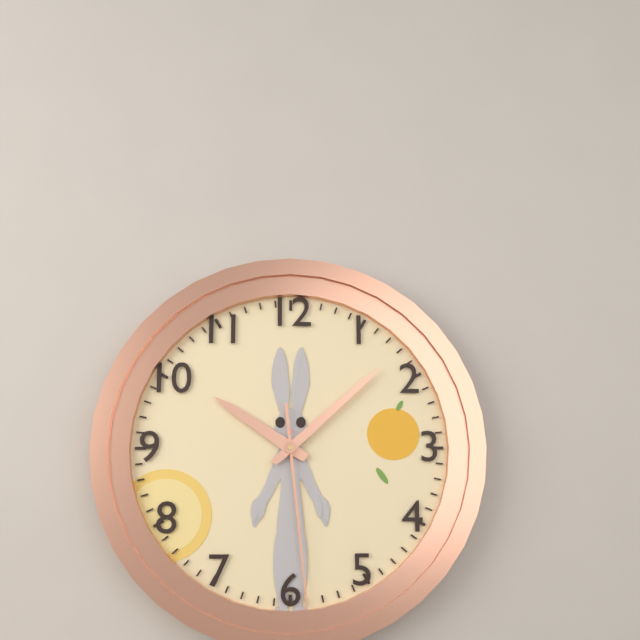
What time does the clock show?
10:08:29
